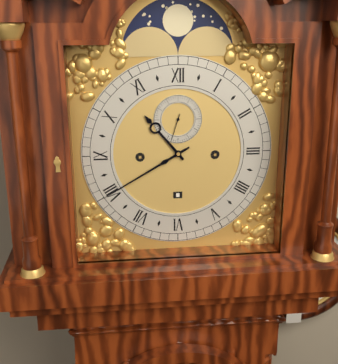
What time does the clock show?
10:40
